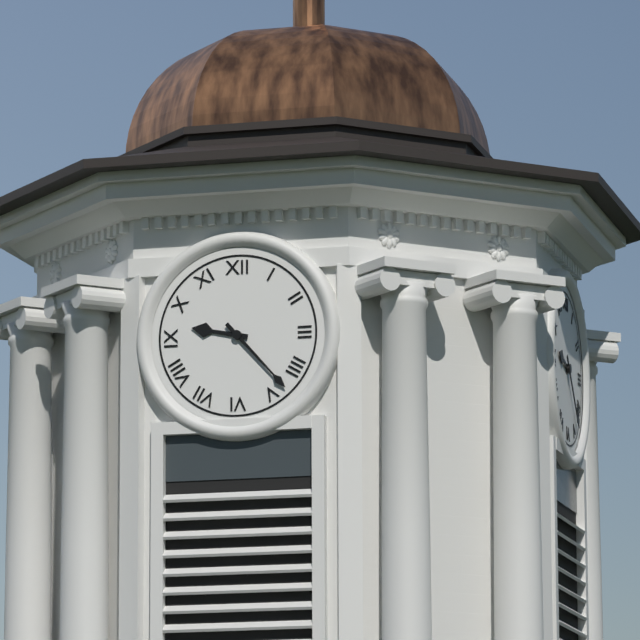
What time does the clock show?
9:23
